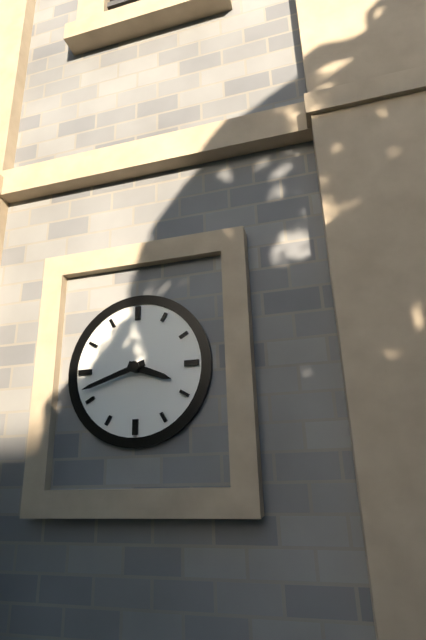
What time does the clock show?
3:42
